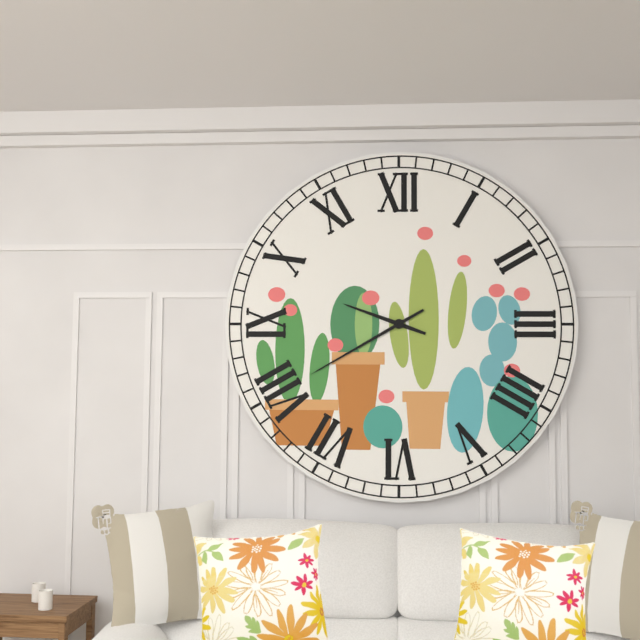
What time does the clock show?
9:40
